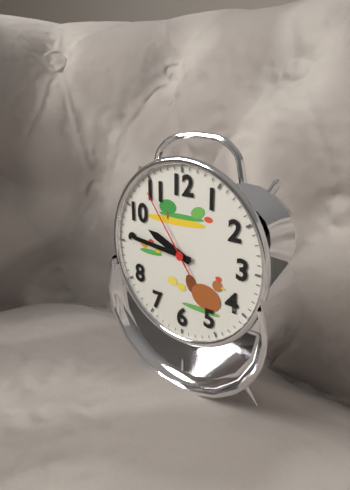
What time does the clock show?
9:46:54
